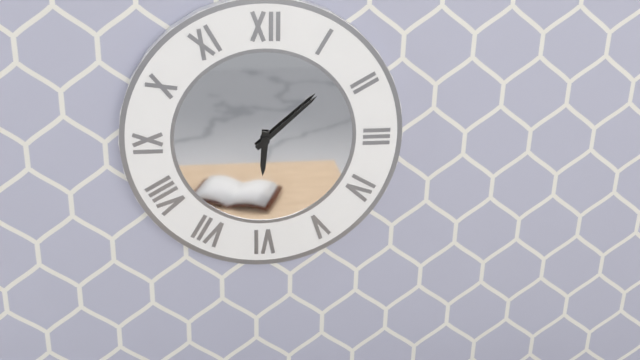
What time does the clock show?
6:08
